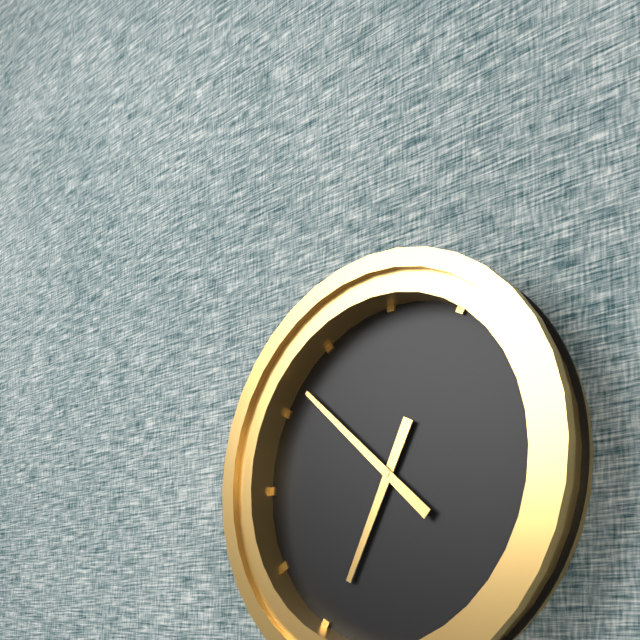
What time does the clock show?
6:52
